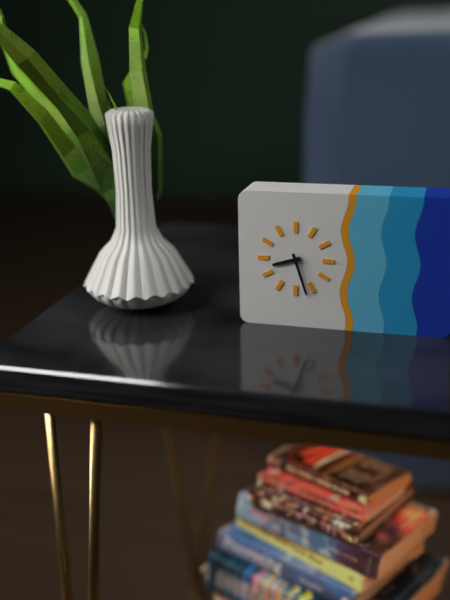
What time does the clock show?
8:27
